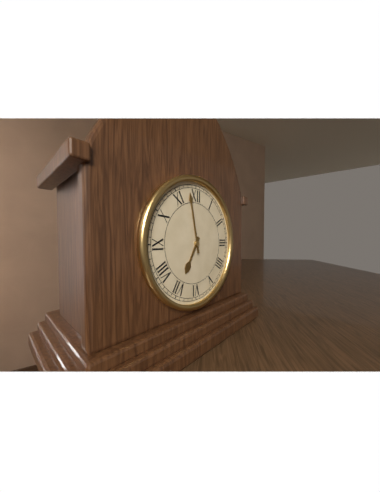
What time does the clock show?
6:58
